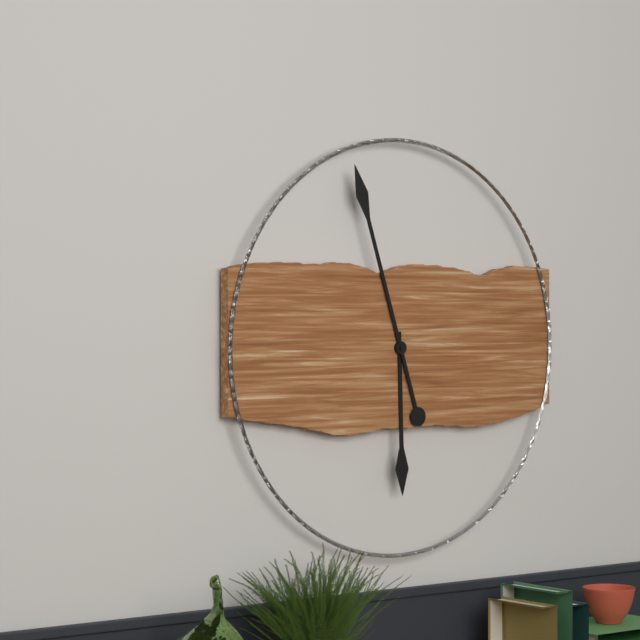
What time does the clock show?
5:57
